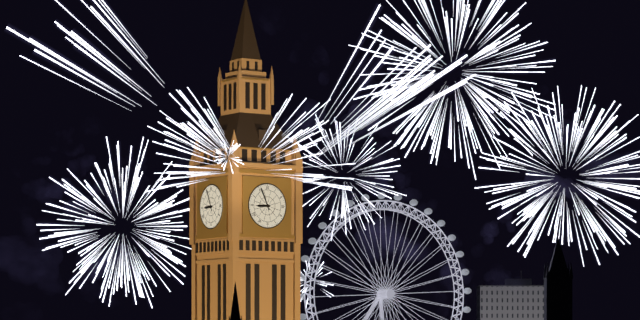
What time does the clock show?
8:56
